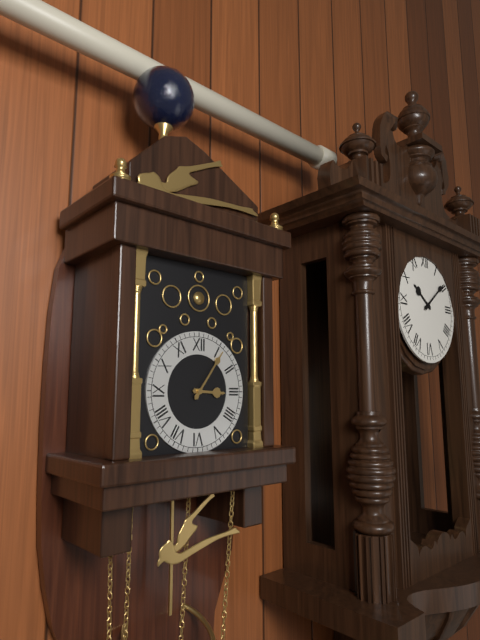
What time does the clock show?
3:06
